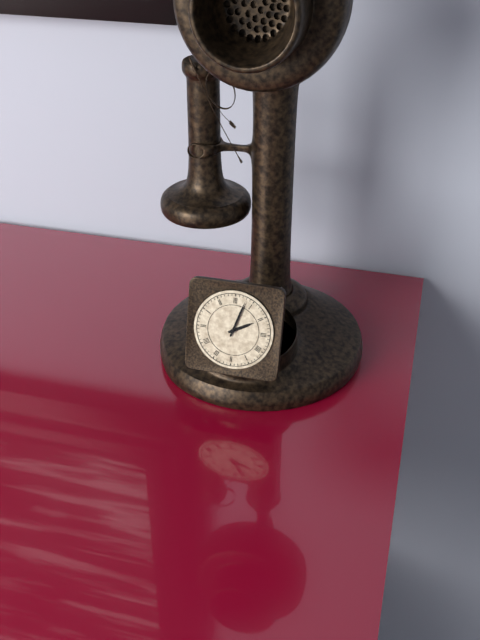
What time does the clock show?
2:03
